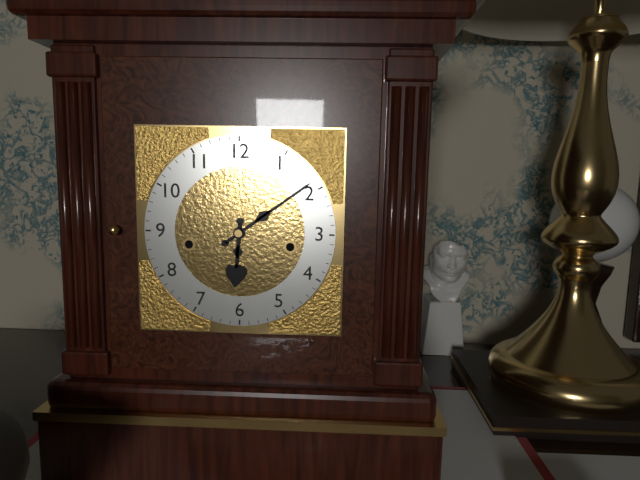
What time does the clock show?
6:09
